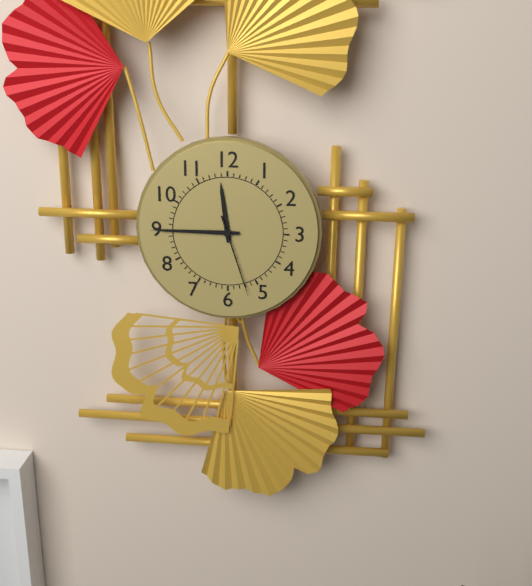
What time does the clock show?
11:45:27
